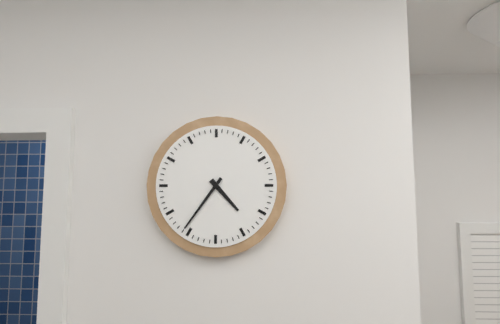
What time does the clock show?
4:36
